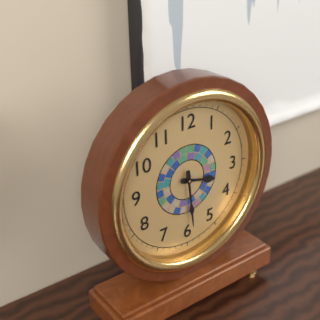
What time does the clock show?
3:29
